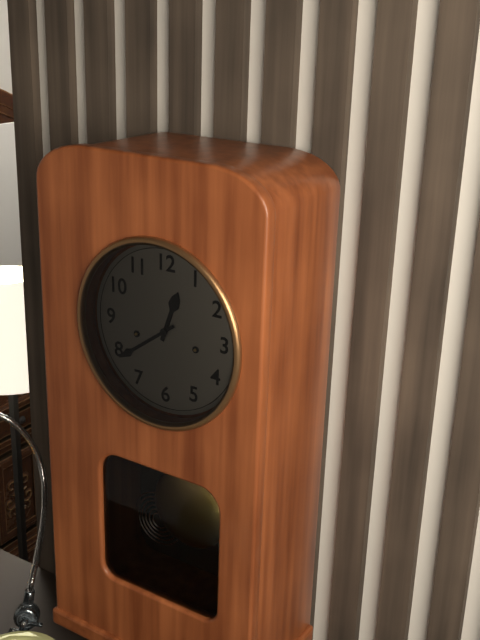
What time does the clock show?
12:39
